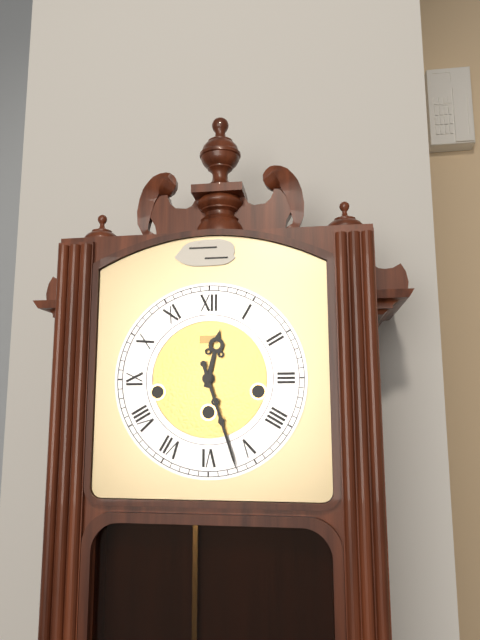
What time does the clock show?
12:27
